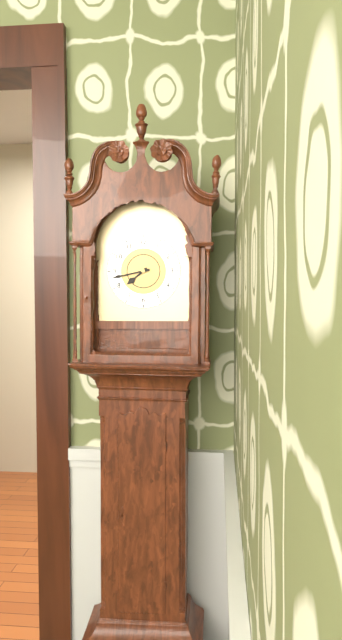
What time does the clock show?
7:43
